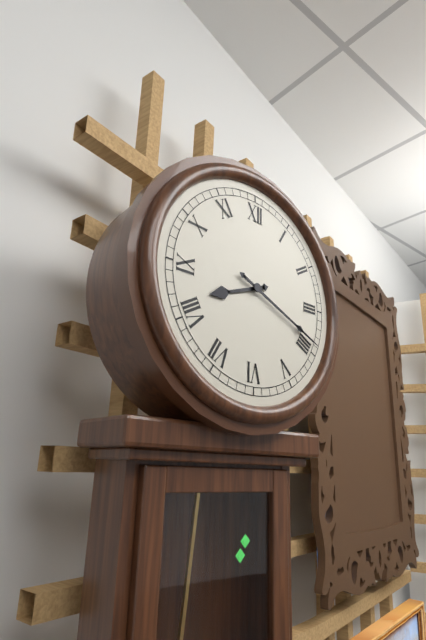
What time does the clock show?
8:19
